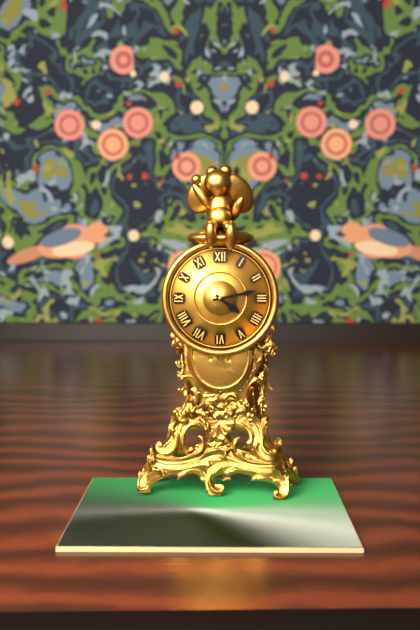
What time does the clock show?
4:13
